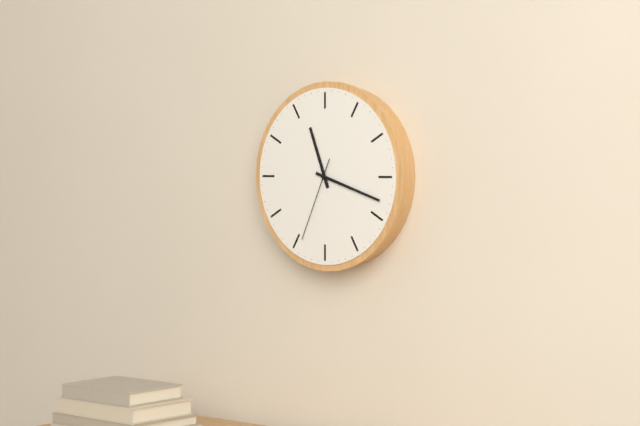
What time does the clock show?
11:18:34
